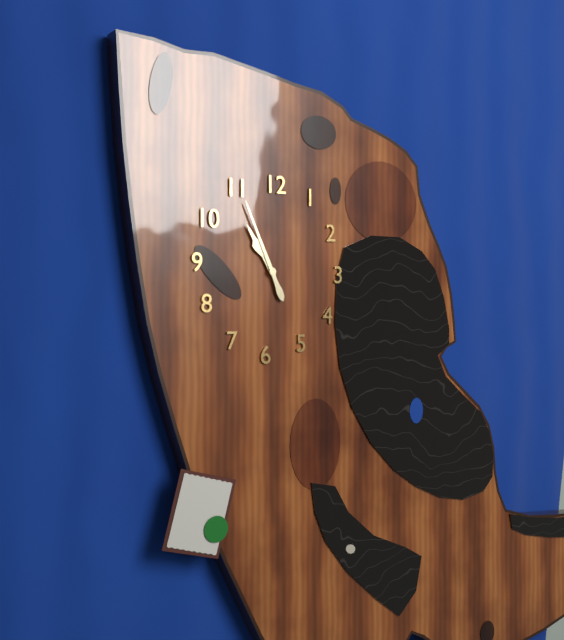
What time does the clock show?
10:56
